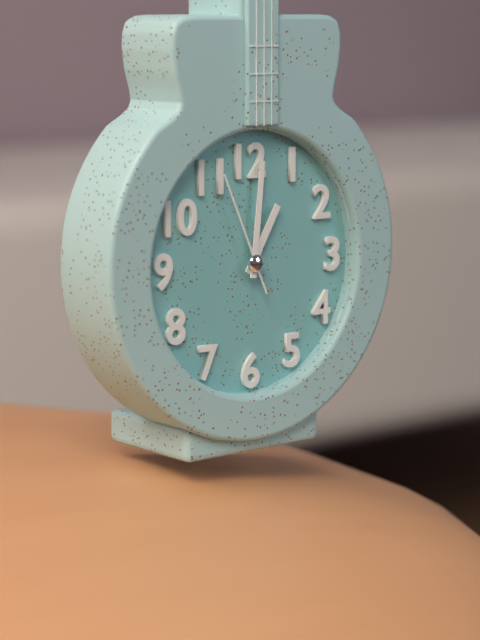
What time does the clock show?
1:01:56
